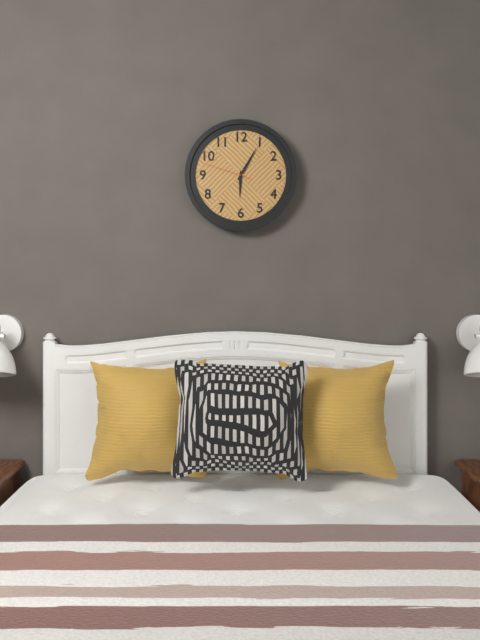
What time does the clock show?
6:05:48
